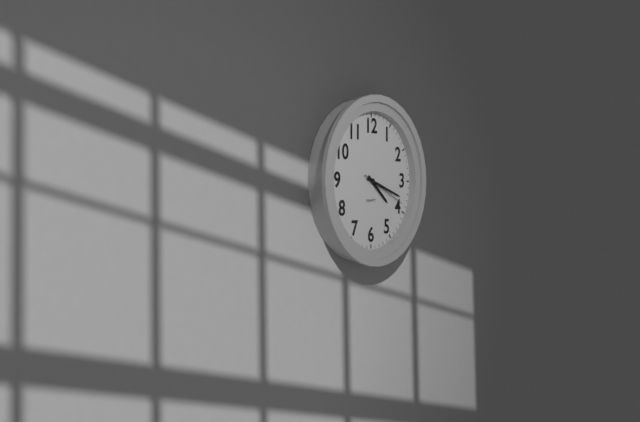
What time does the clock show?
4:18
